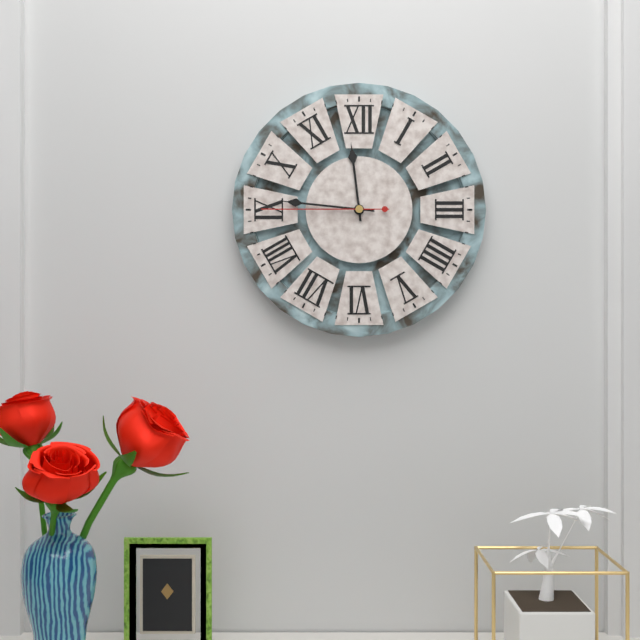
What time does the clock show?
11:46:45
